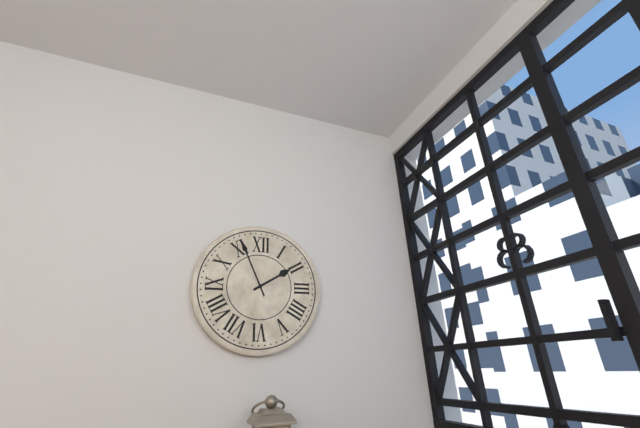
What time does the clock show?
1:56
